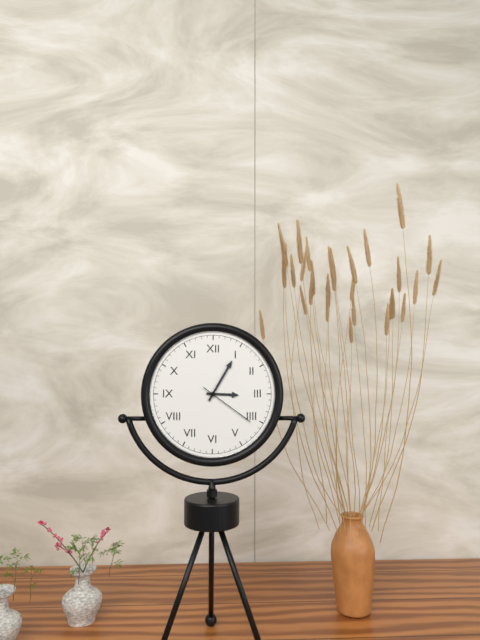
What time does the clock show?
3:05:21
